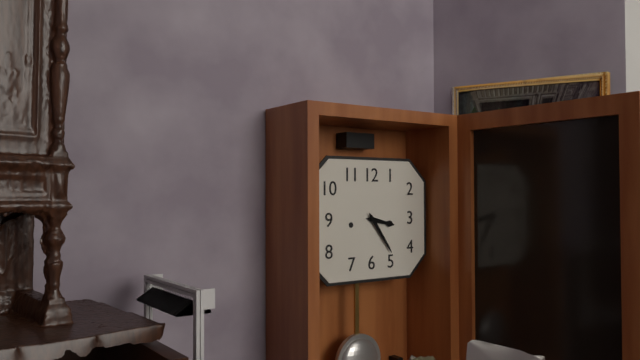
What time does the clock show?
3:24
